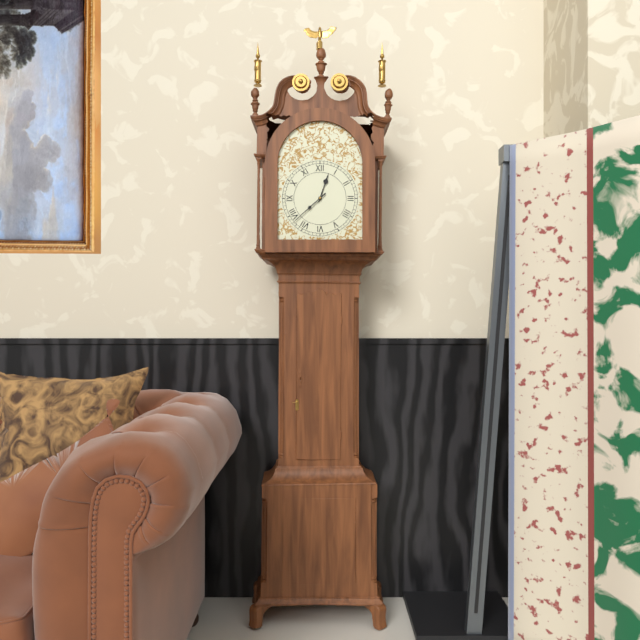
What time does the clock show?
12:38
